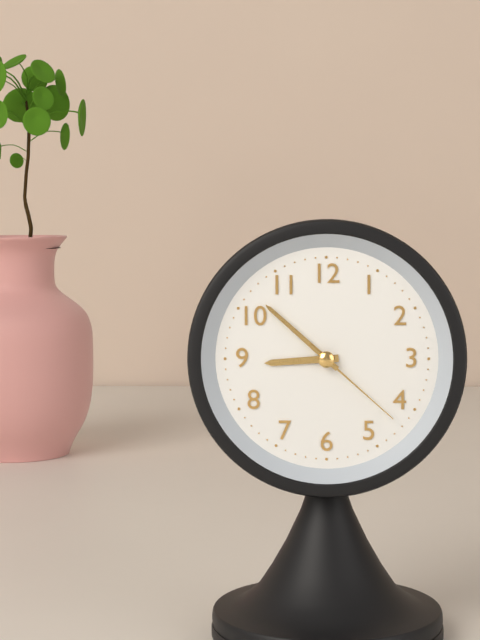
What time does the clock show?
8:52:22
